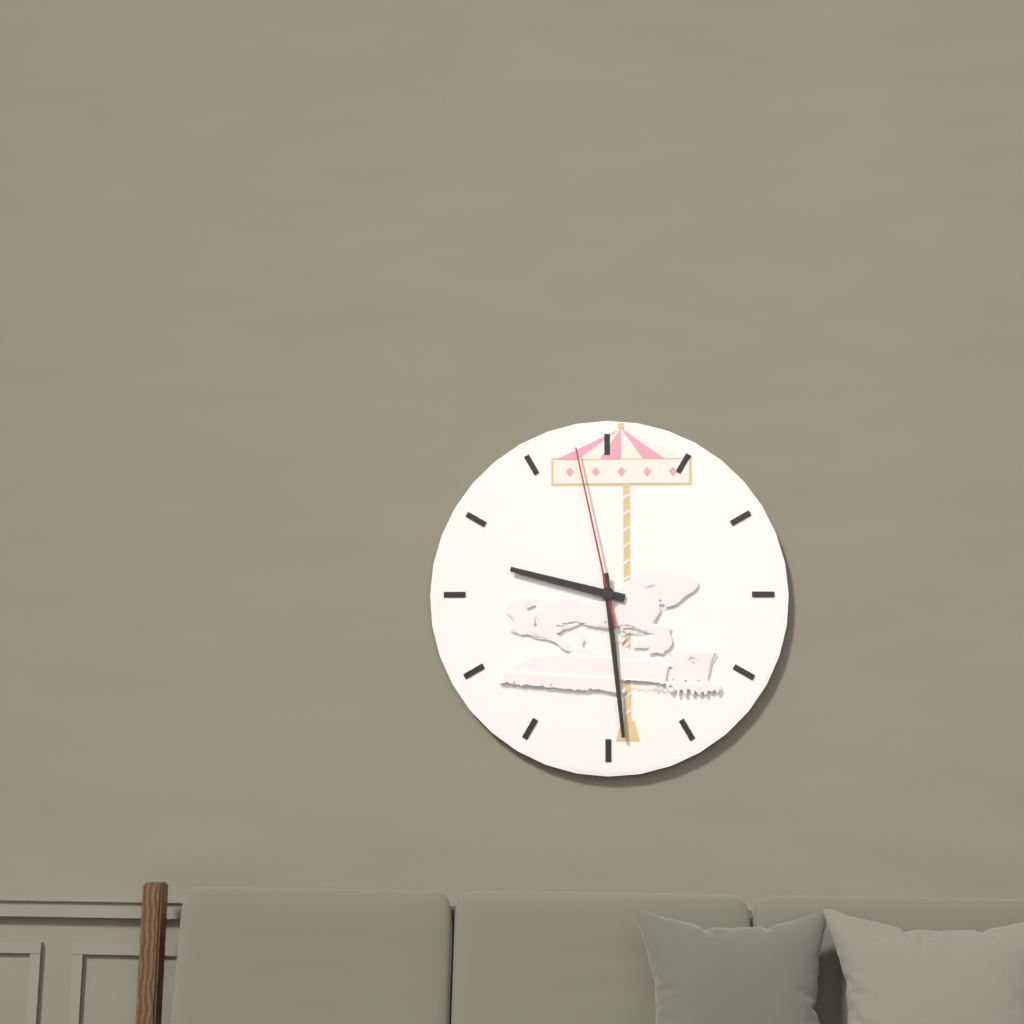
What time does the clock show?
9:29:58
